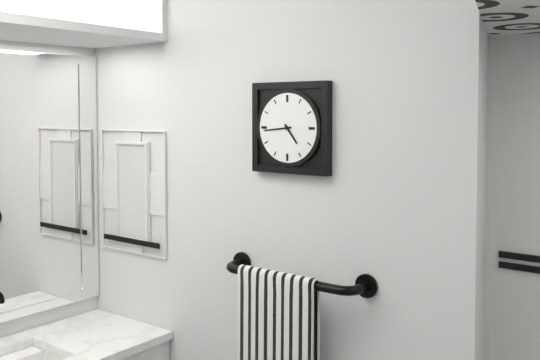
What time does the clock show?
4:44
